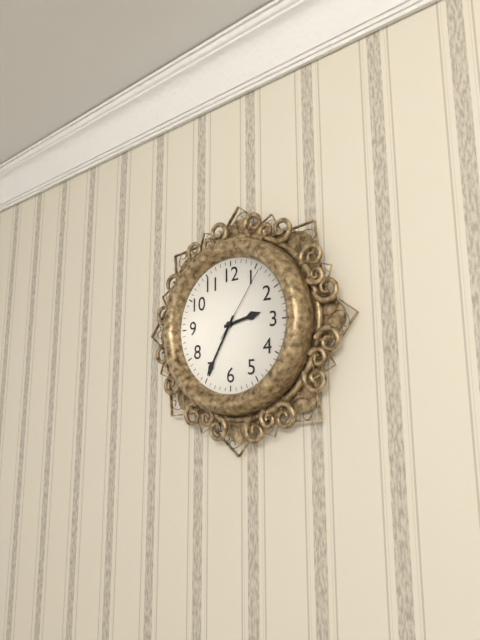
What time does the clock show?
2:35:06
